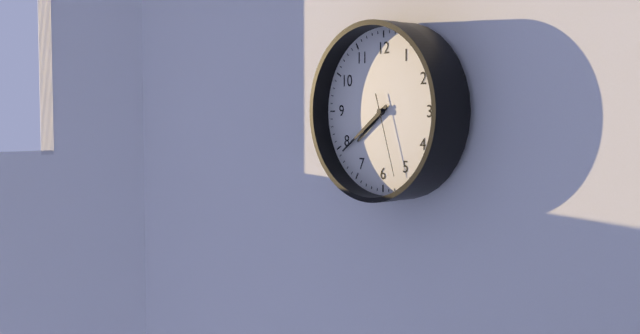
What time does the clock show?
7:39:27
